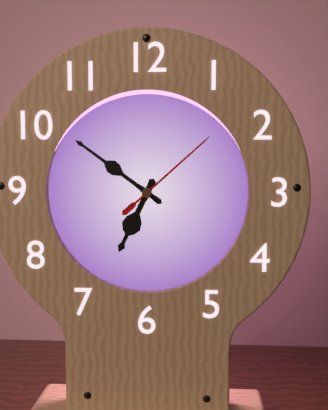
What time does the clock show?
6:51:08
